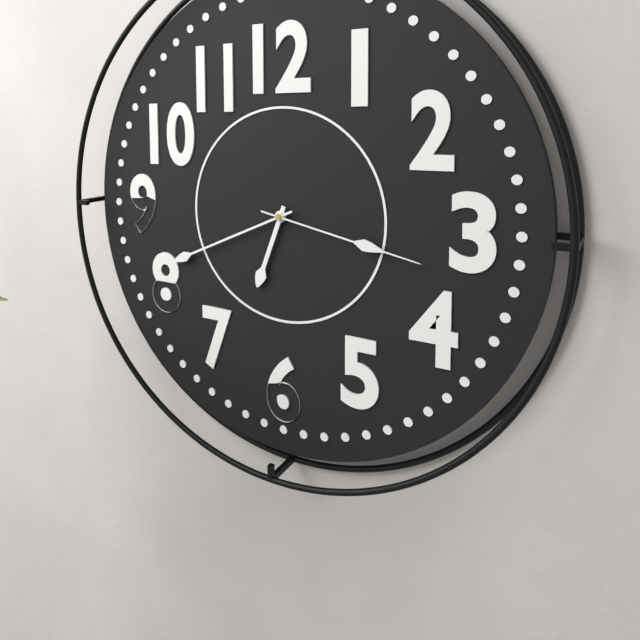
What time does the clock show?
6:41:17
